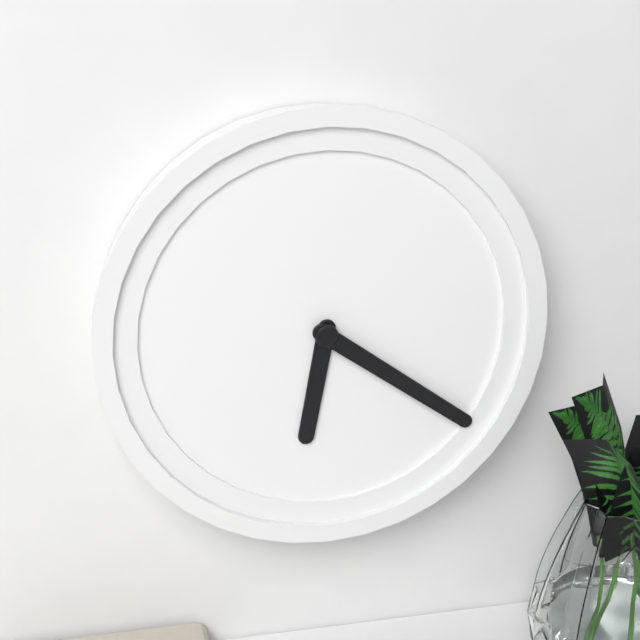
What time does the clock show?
6:21
